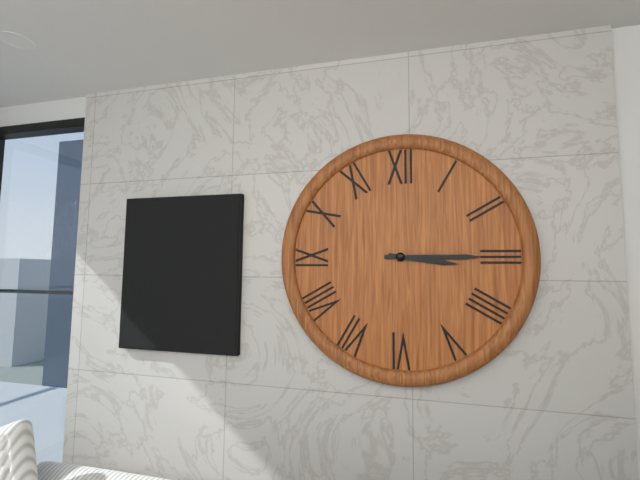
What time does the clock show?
3:15
